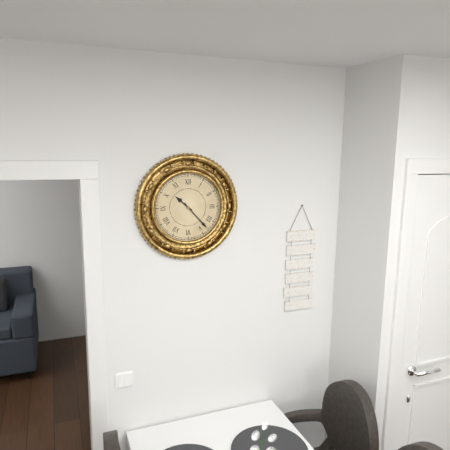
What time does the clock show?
10:23
